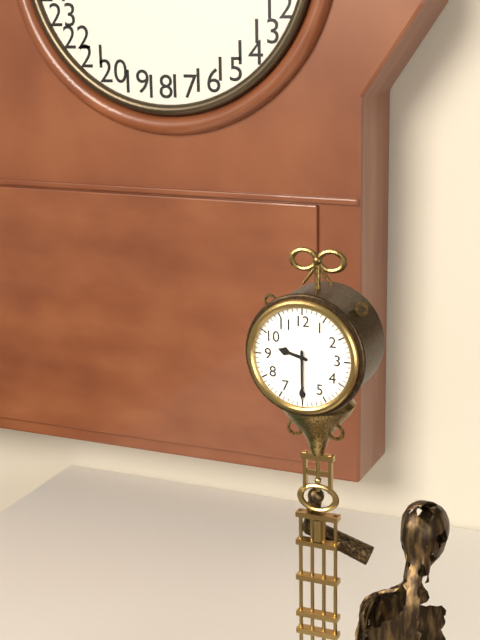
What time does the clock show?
9:30
